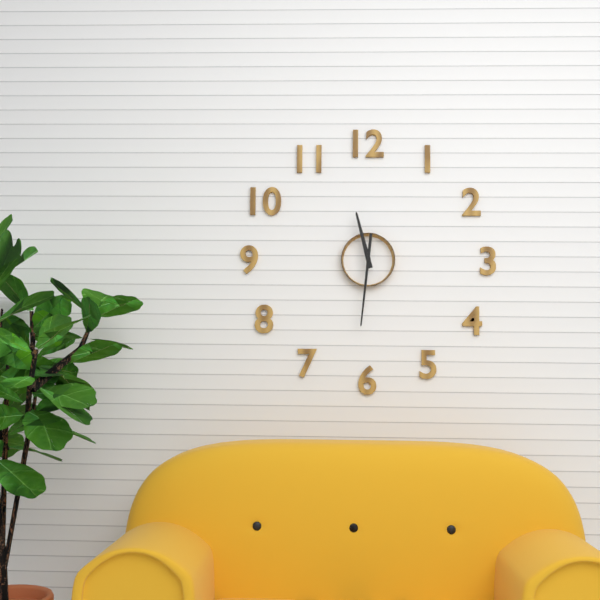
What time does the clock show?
11:31
